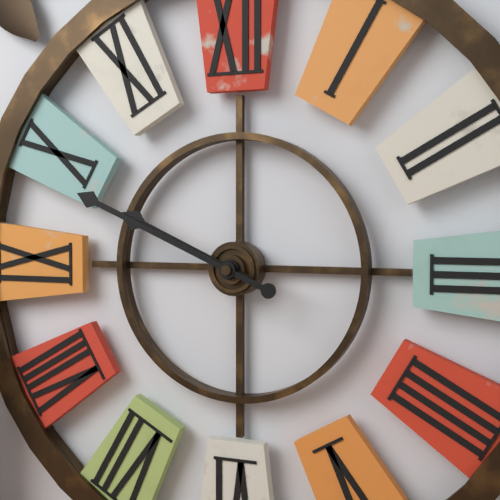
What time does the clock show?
9:49
